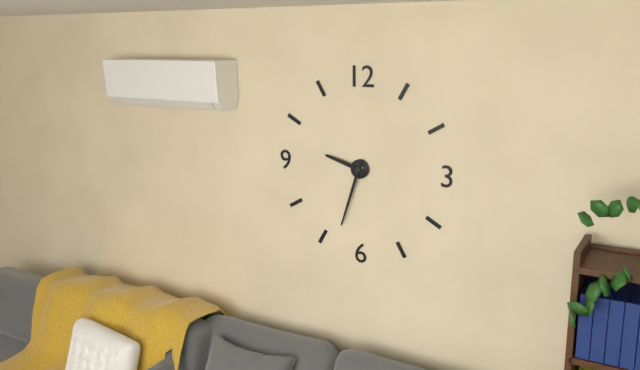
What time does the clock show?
9:33
